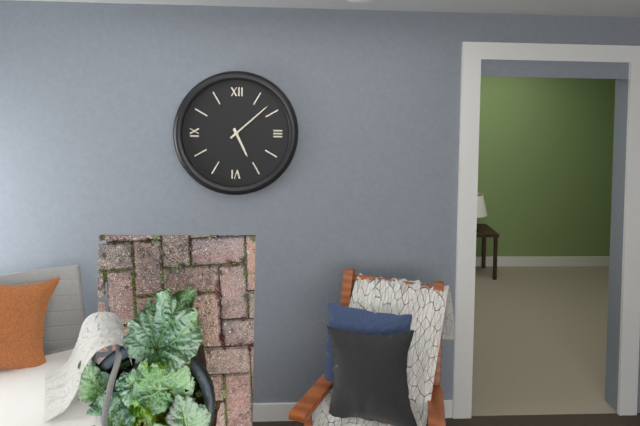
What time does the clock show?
5:08
